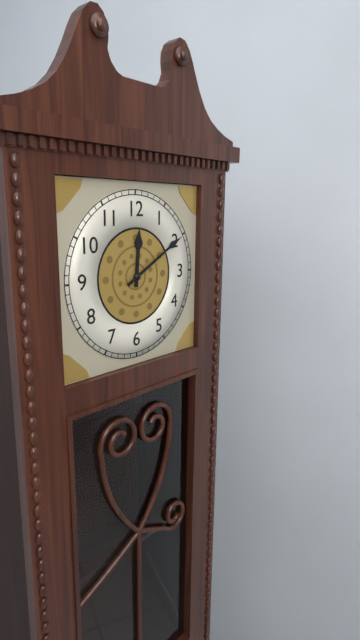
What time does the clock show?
12:10
